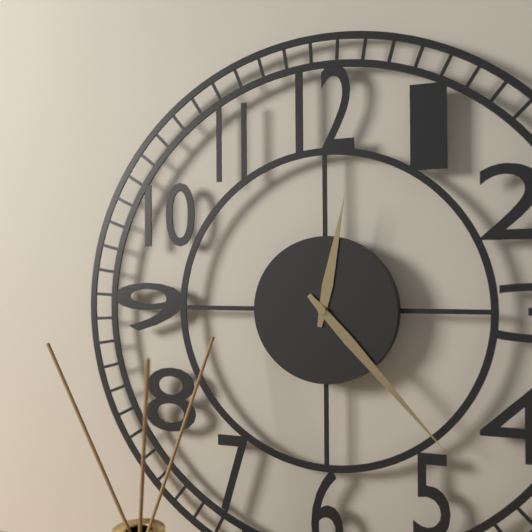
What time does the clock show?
12:23
